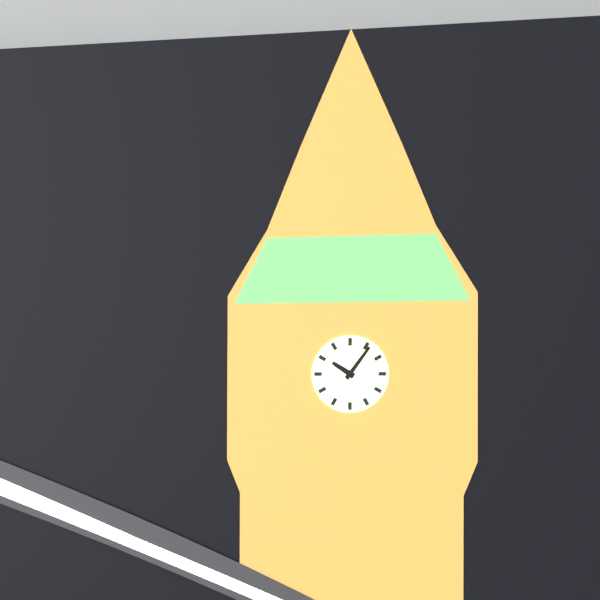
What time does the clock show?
10:06
